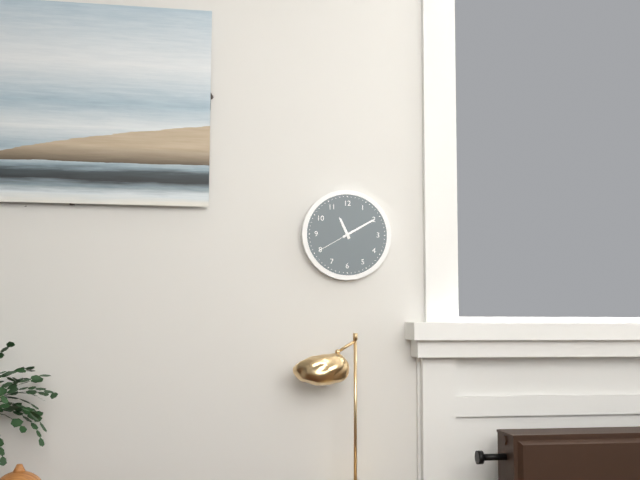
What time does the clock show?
11:10
